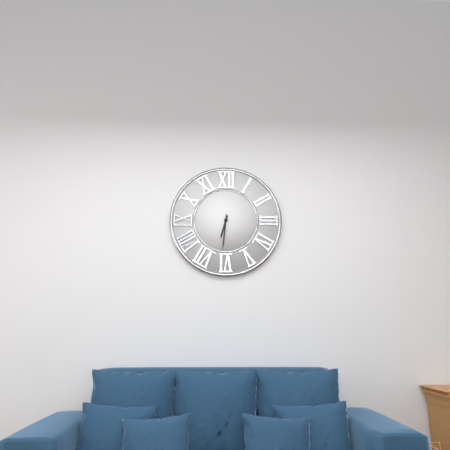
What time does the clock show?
6:31
